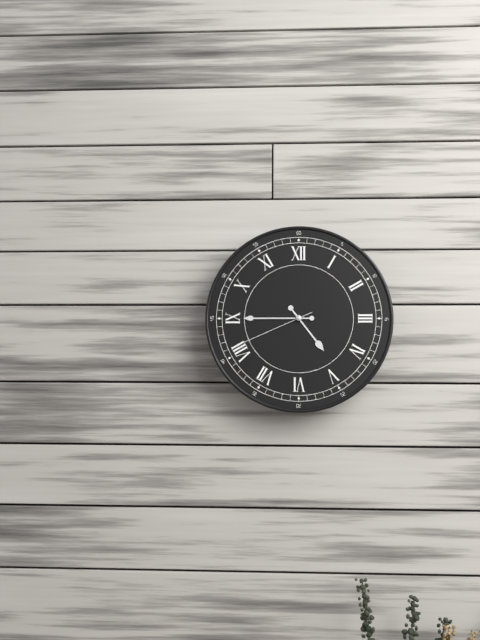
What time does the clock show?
4:45:41
